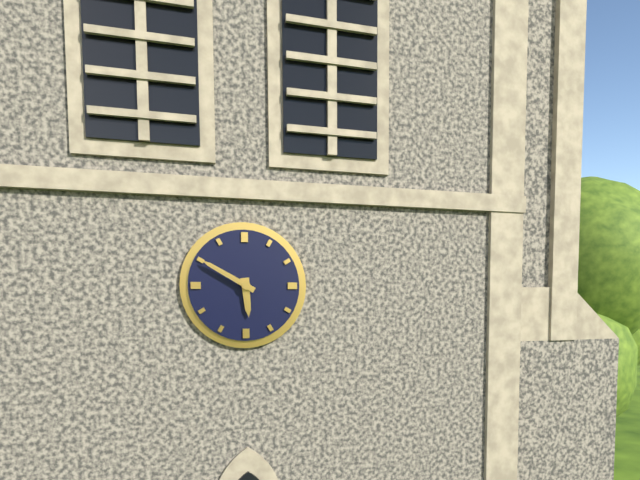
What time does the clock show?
5:50
